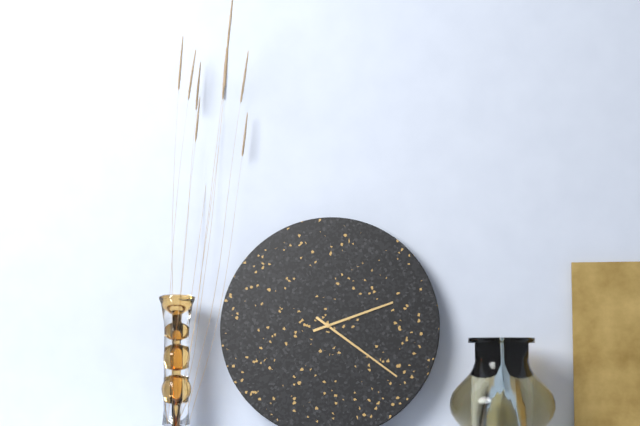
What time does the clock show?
2:21
